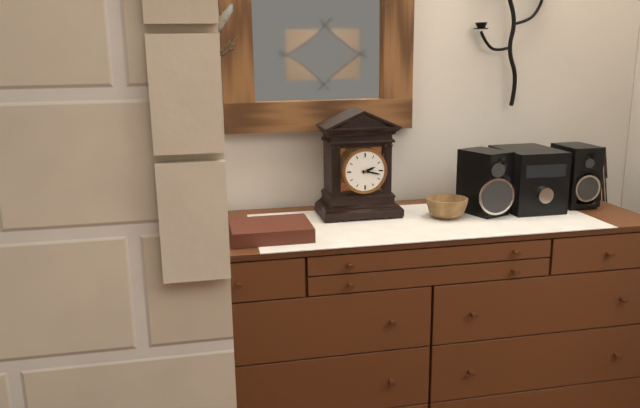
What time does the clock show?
2:17
